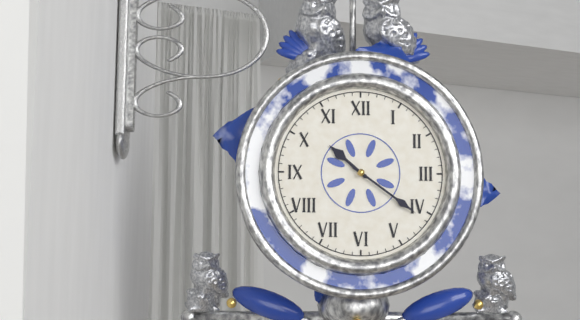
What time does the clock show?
10:21
